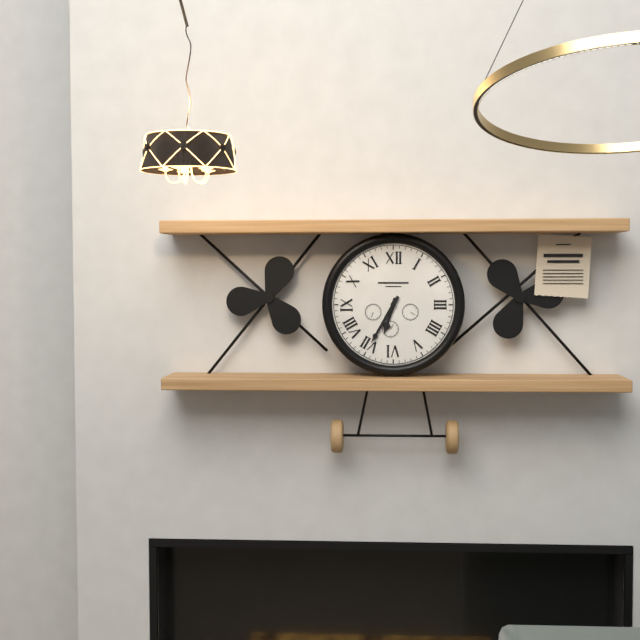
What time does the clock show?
6:35
